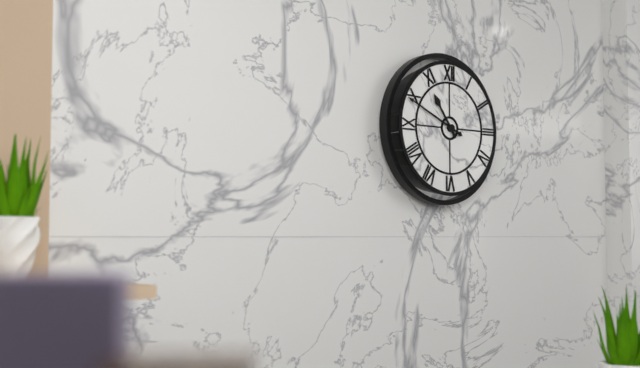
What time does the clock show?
10:49
